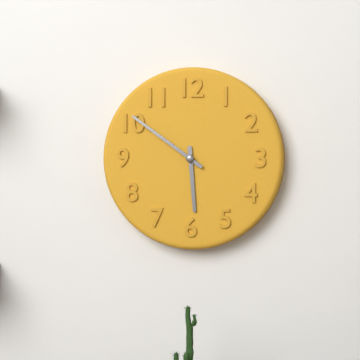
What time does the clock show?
5:51
